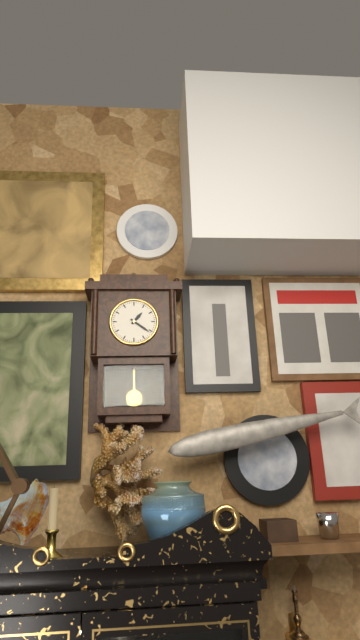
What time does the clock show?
1:21
